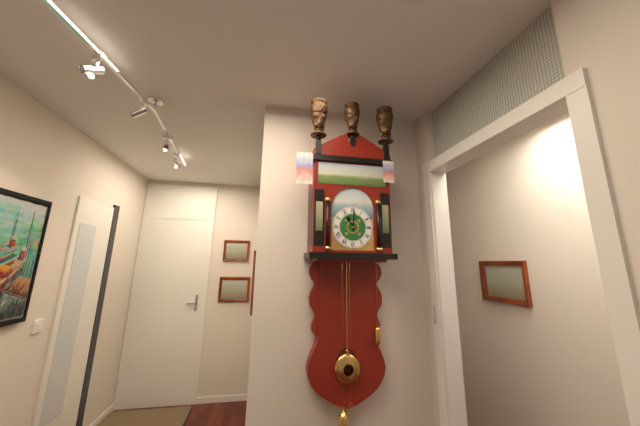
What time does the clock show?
11:01
